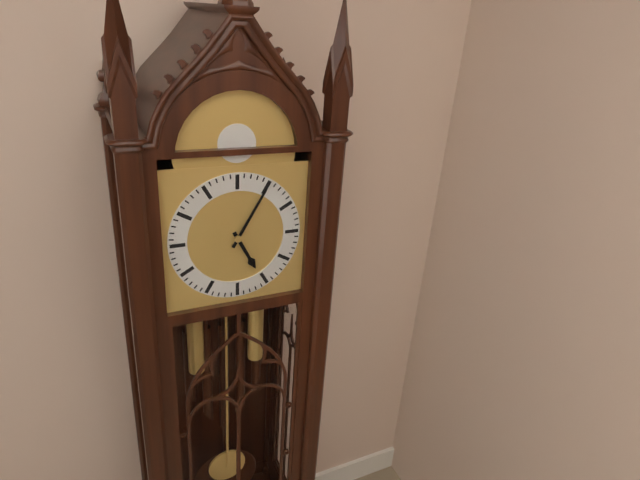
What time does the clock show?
5:05
